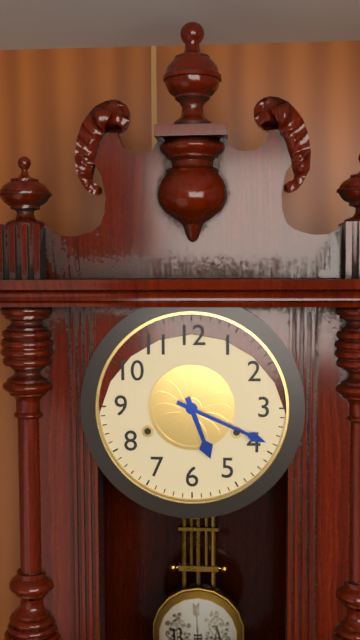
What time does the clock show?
5:19
